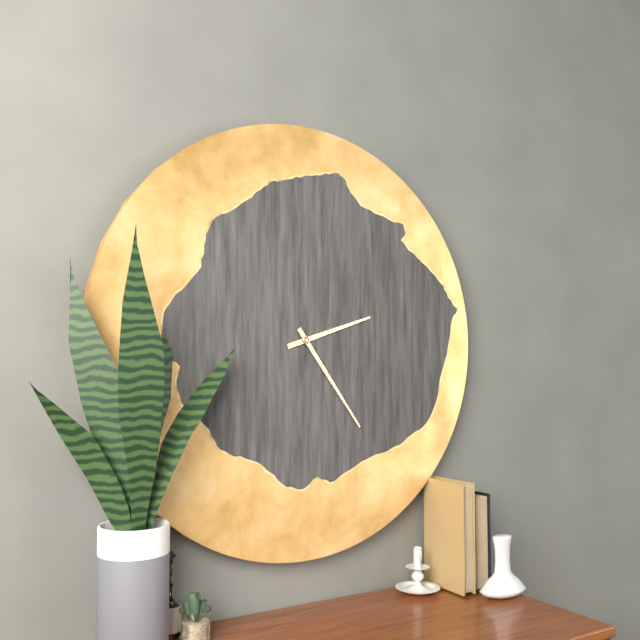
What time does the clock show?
2:24
